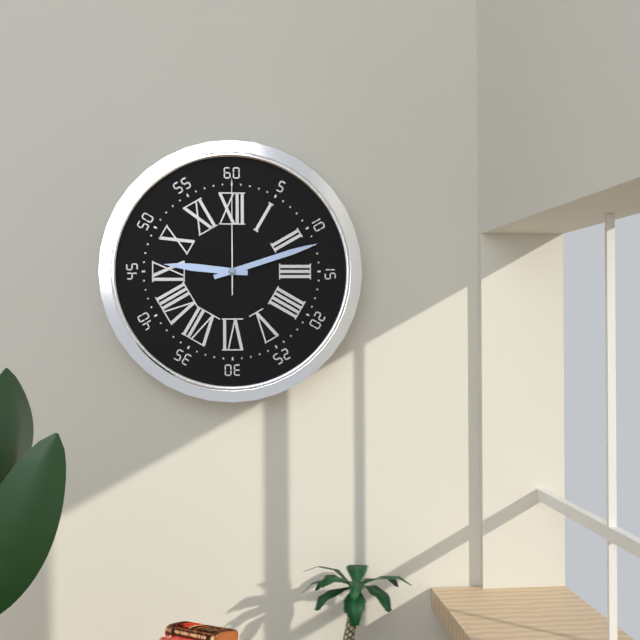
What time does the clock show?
9:12:00
